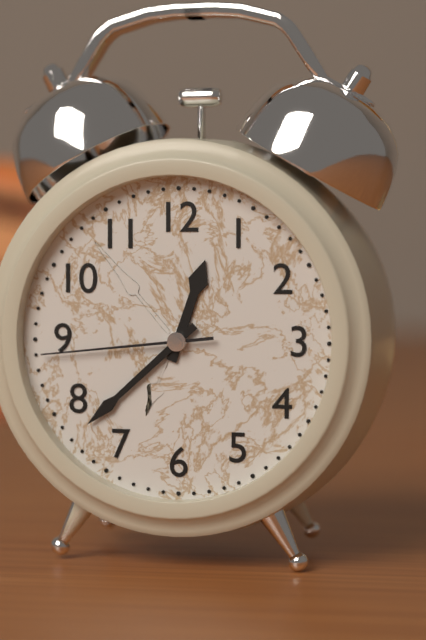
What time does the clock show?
12:38:44
